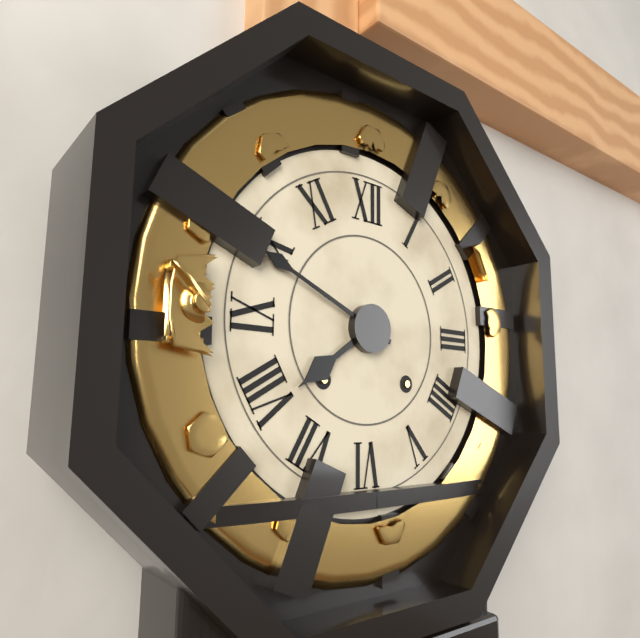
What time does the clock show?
7:49
